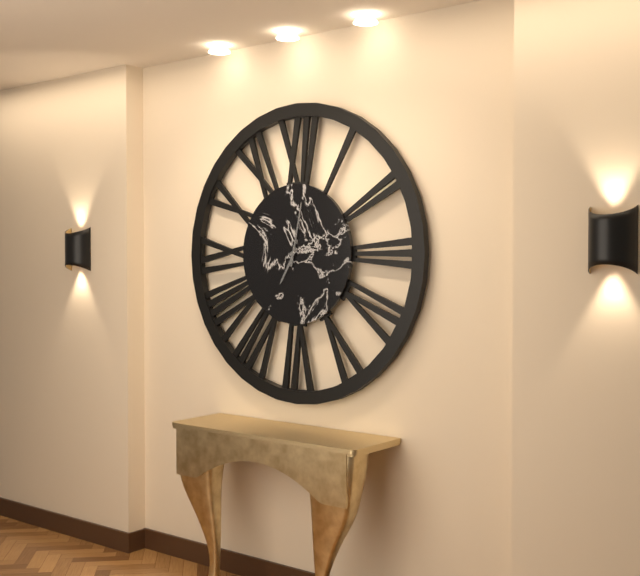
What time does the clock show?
7:02
